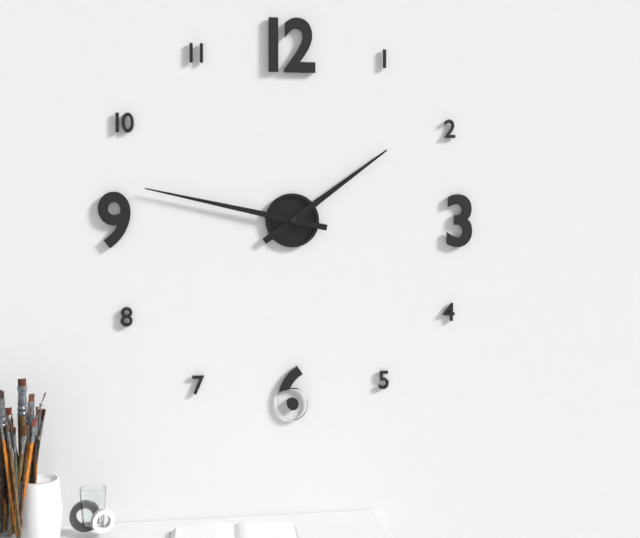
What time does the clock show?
1:47
